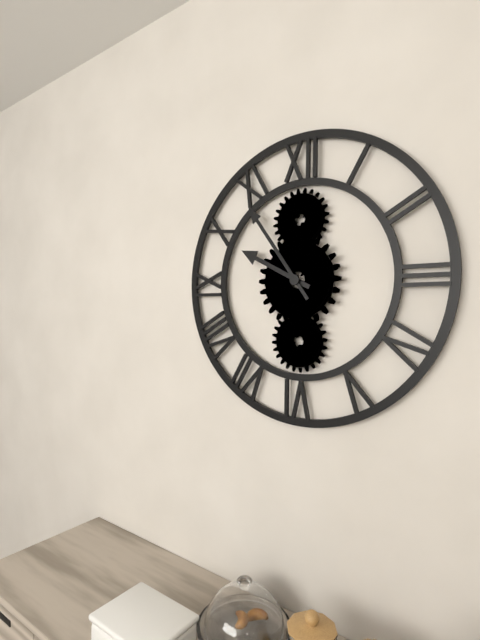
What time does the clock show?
9:54
